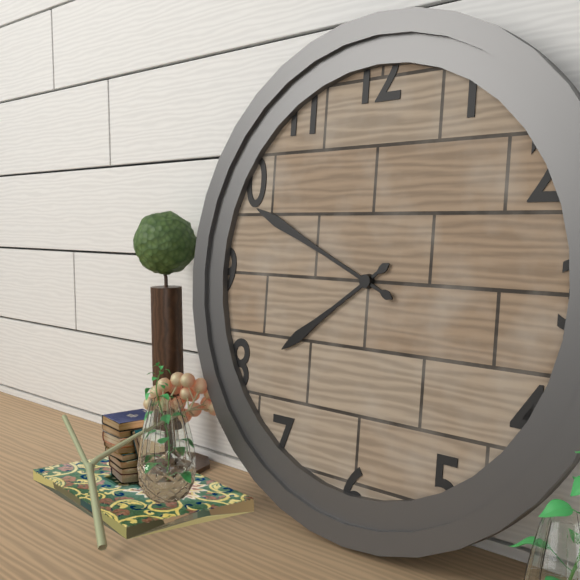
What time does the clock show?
7:49
